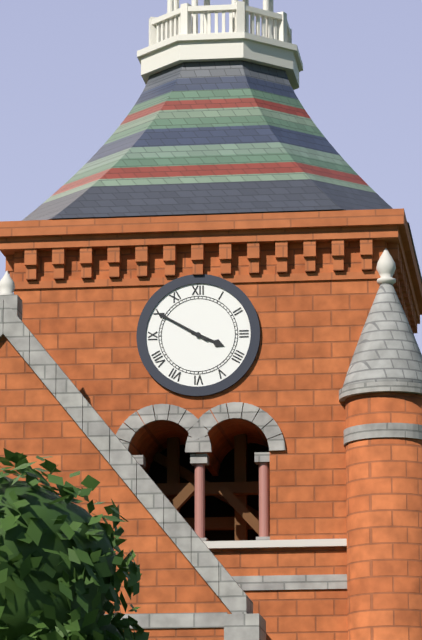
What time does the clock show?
3:50
